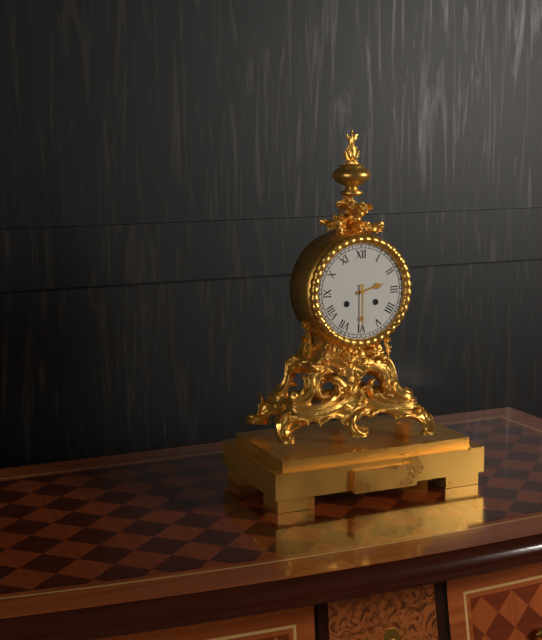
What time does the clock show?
2:30
